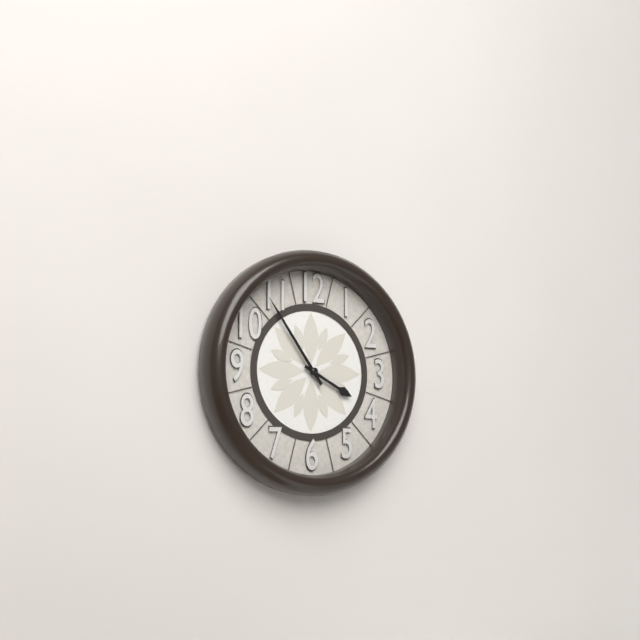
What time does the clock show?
3:54
